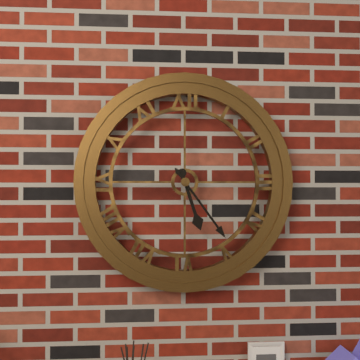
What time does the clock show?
5:24
